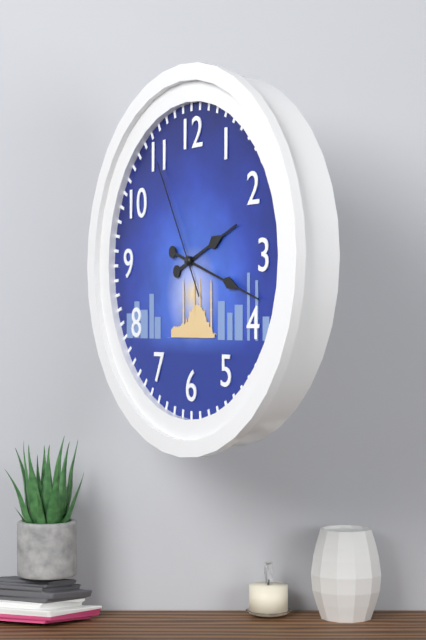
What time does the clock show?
2:18:55
